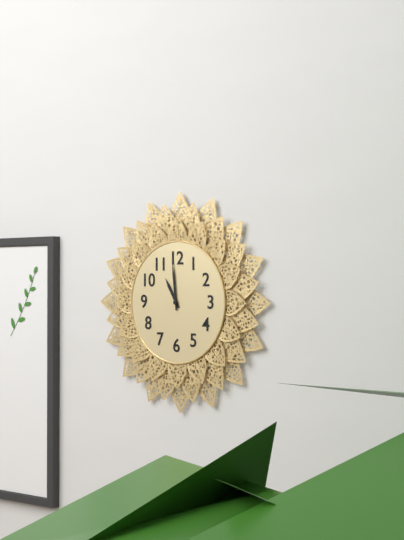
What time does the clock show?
10:59
